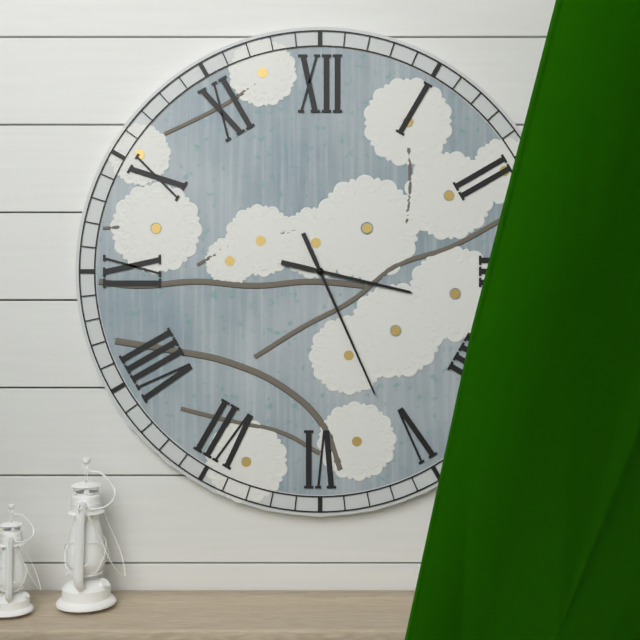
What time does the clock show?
3:26
